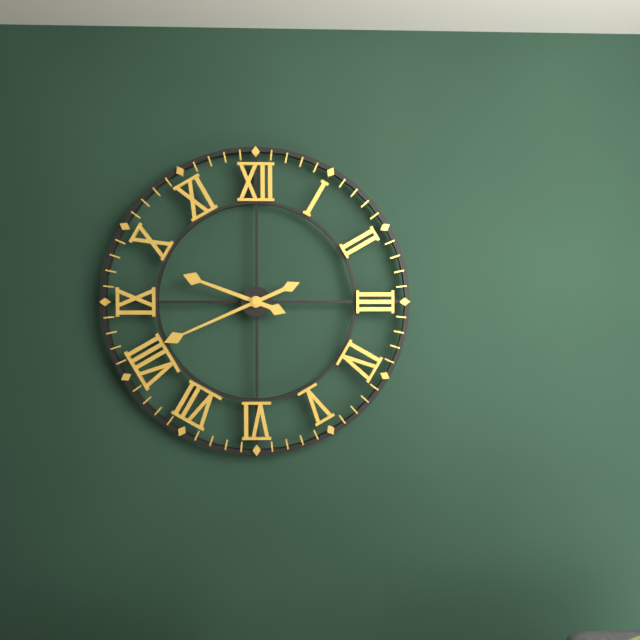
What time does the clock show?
9:41
